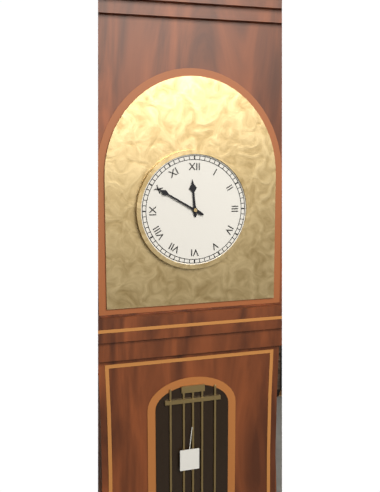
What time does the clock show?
11:50
